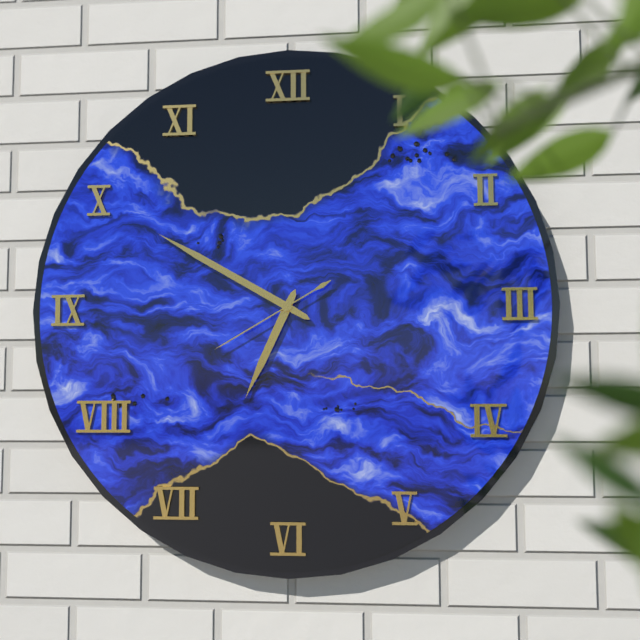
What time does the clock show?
6:50:40
